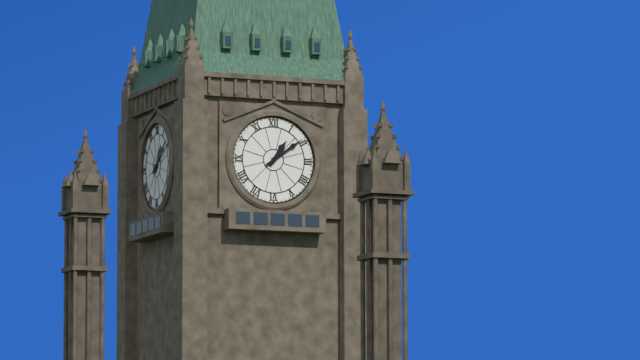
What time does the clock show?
1:09
